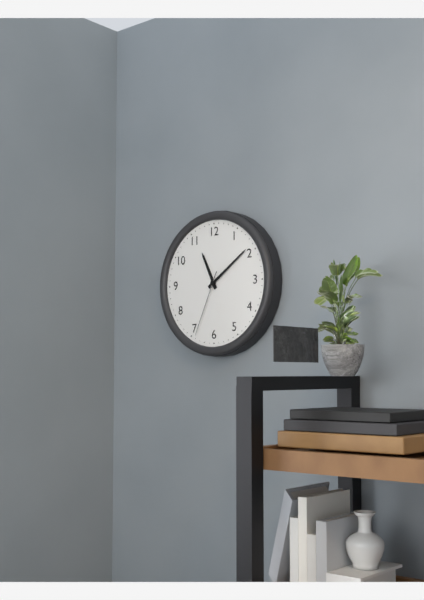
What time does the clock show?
11:09:34
